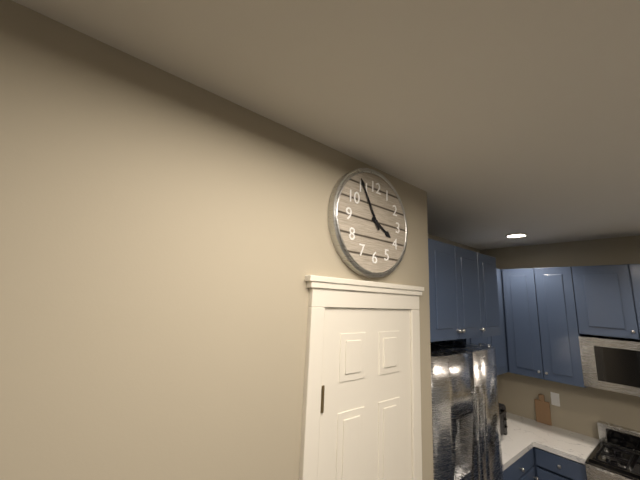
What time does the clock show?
3:55
